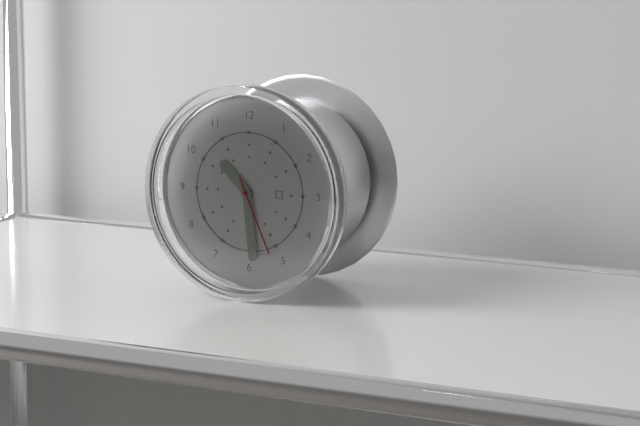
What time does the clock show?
10:29:26
